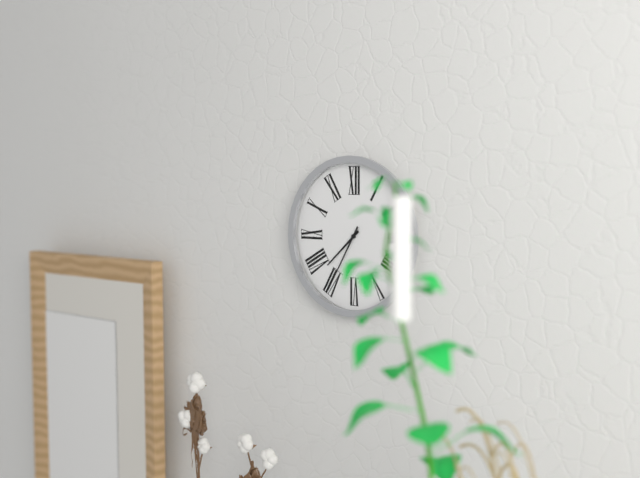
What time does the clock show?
7:35
